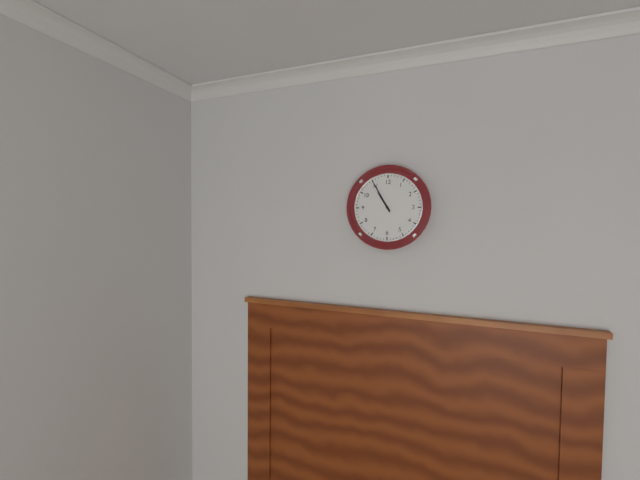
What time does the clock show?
10:55
